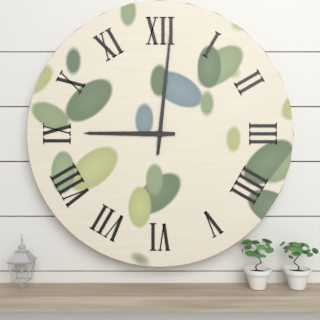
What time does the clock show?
9:01
